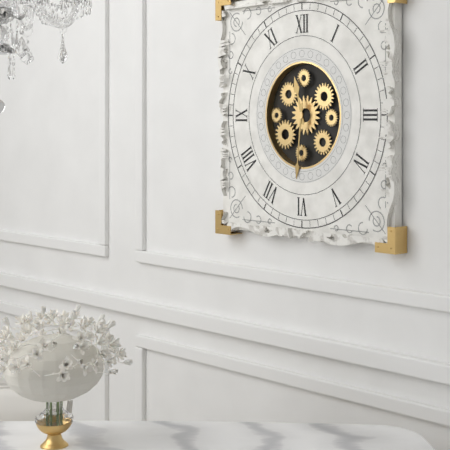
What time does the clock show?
11:31
